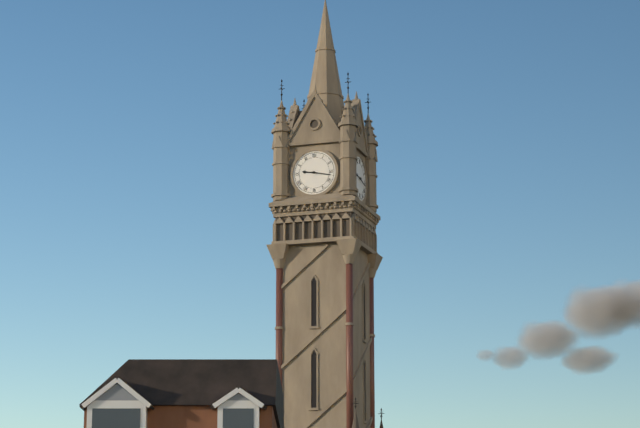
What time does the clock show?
9:17
